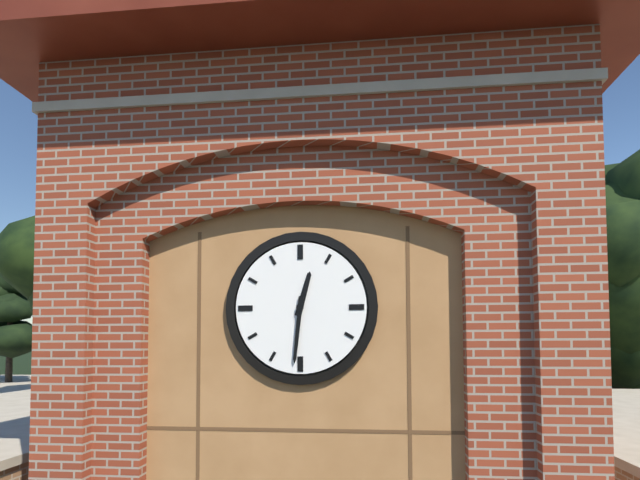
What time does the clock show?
12:31
